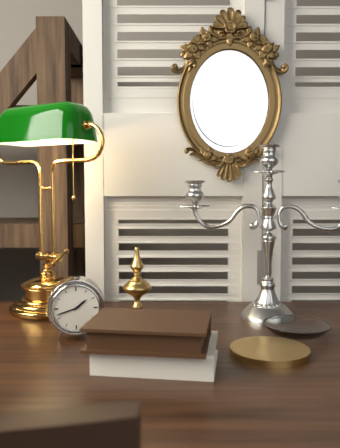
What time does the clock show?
1:42
